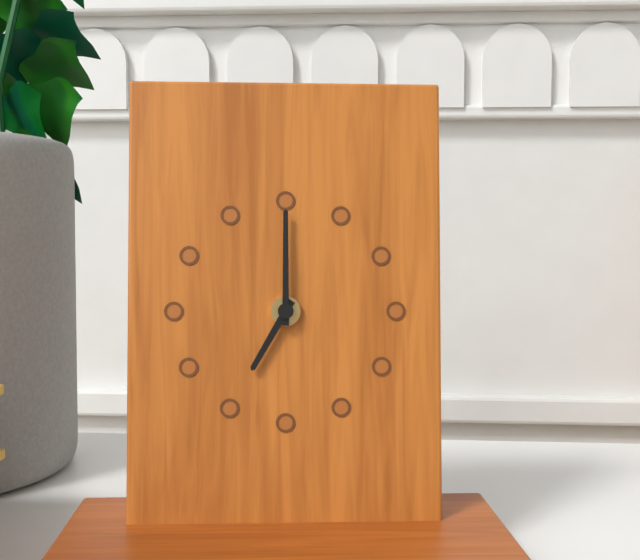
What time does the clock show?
7:00
